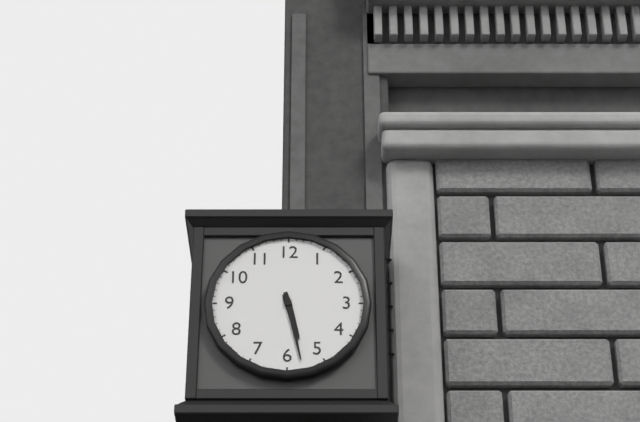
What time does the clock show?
5:28
